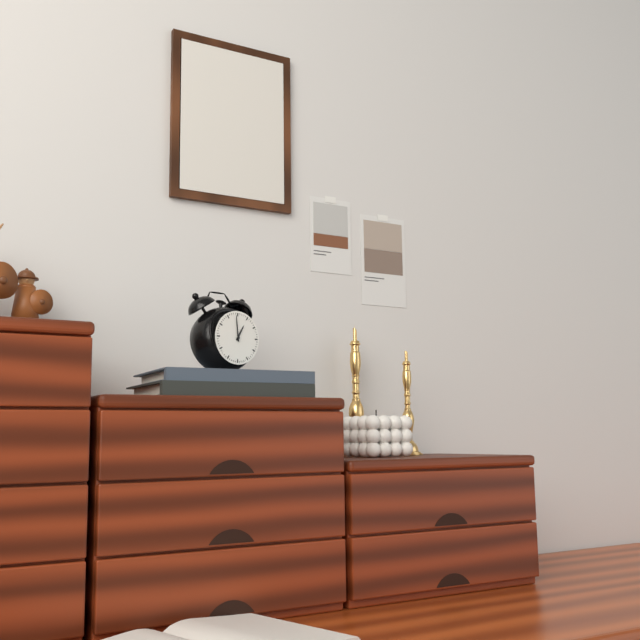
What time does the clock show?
12:59
